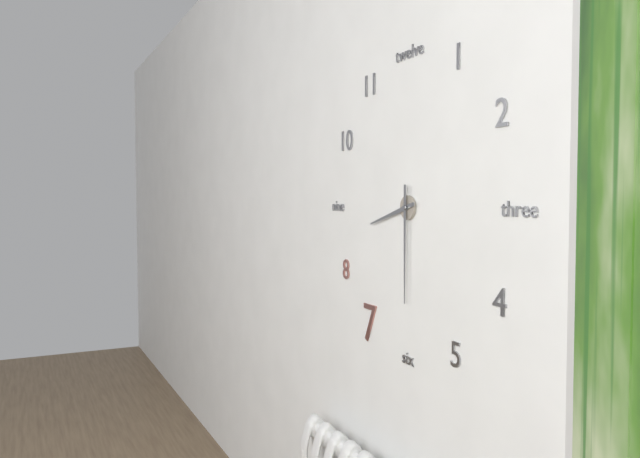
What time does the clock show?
8:30
